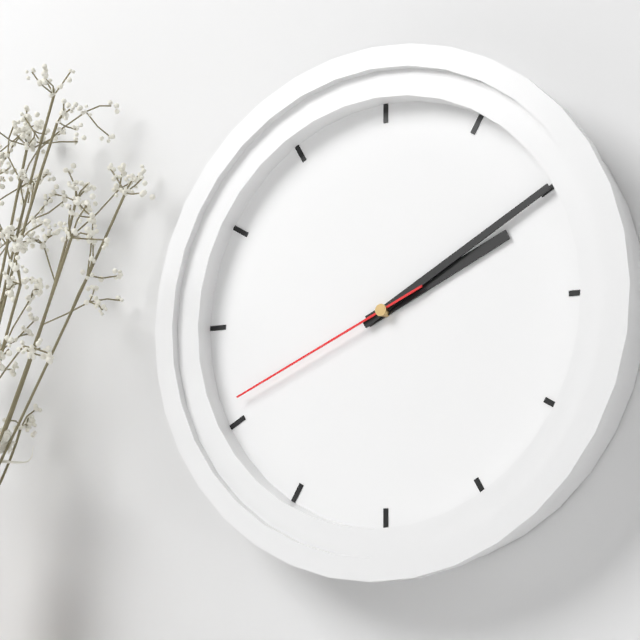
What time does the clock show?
2:10:41
